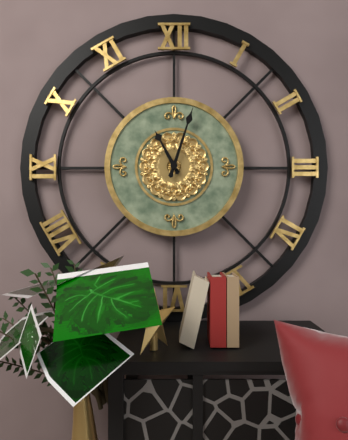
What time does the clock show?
11:03
